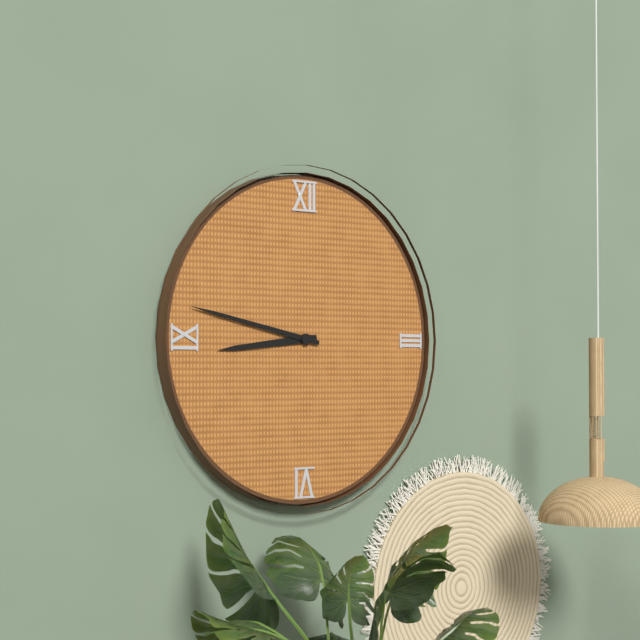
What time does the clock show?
8:47
